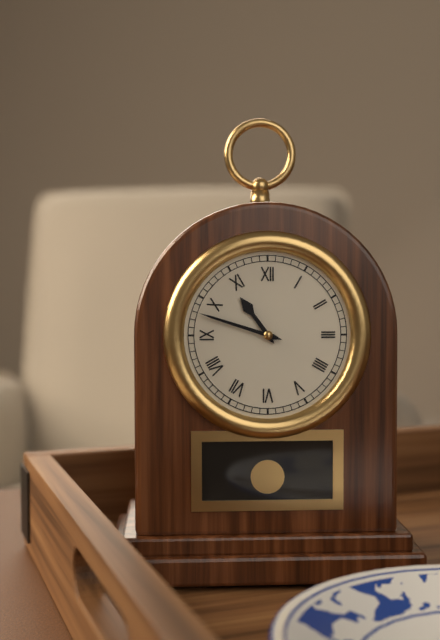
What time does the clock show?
10:48
